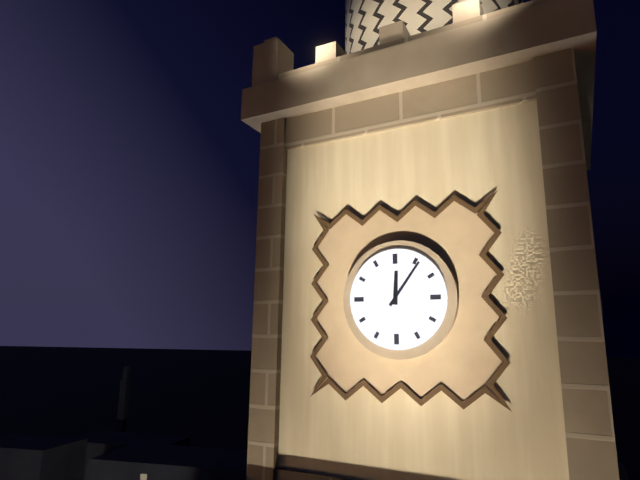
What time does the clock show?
12:06
